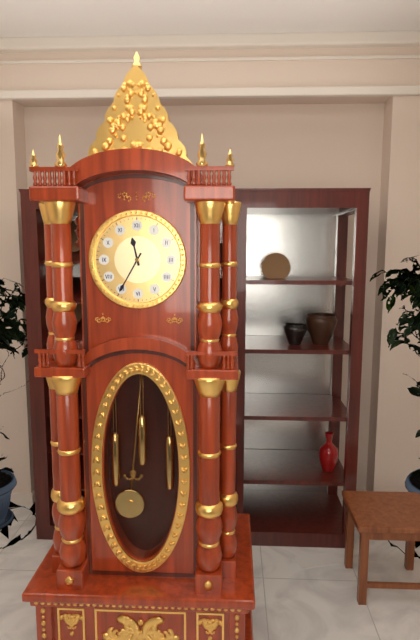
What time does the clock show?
11:35
